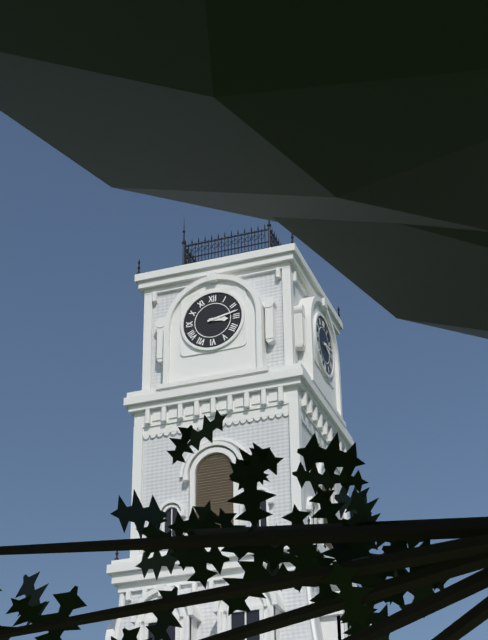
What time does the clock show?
3:13
